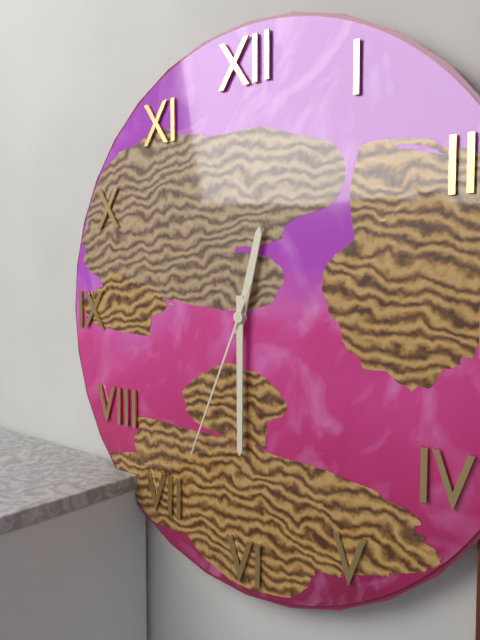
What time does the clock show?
12:30:34
